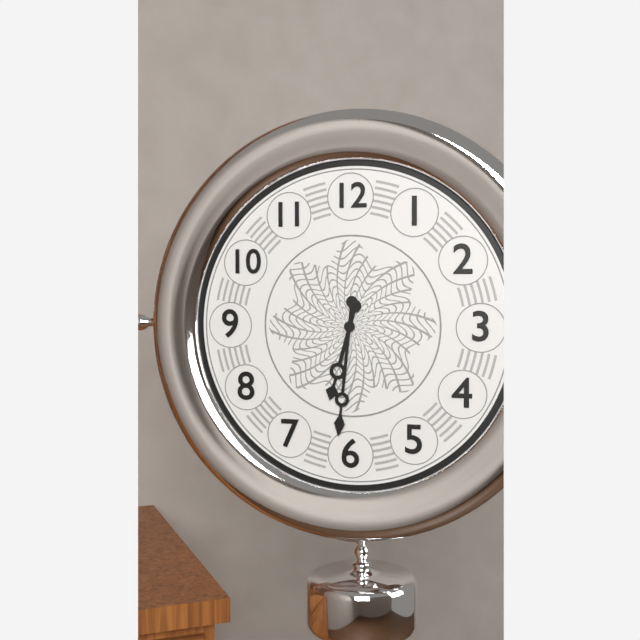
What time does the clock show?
6:31
